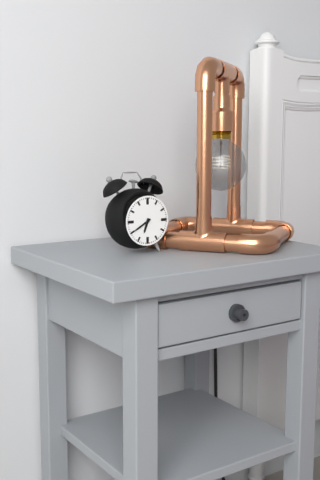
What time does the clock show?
6:40
